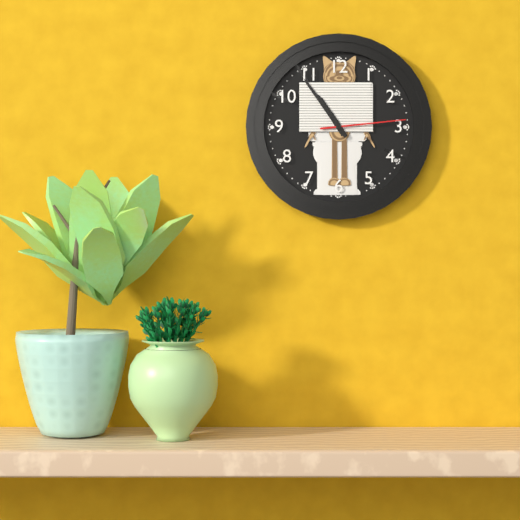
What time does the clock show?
10:54:14
